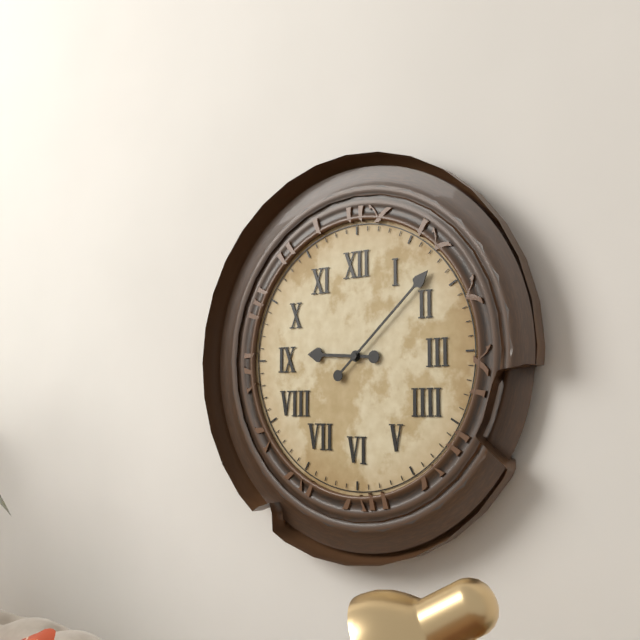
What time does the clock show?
9:08
